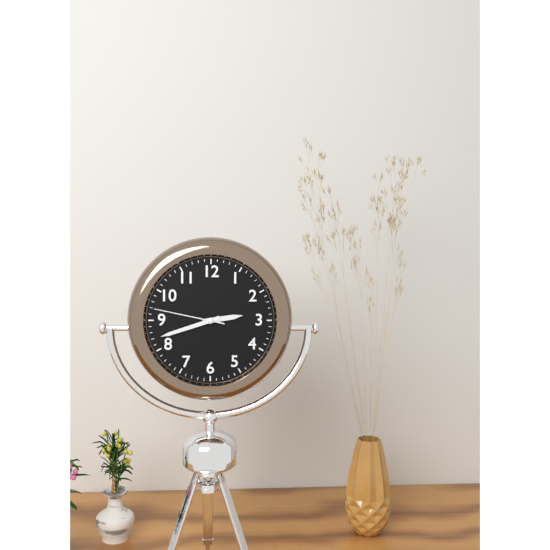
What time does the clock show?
2:42:47
